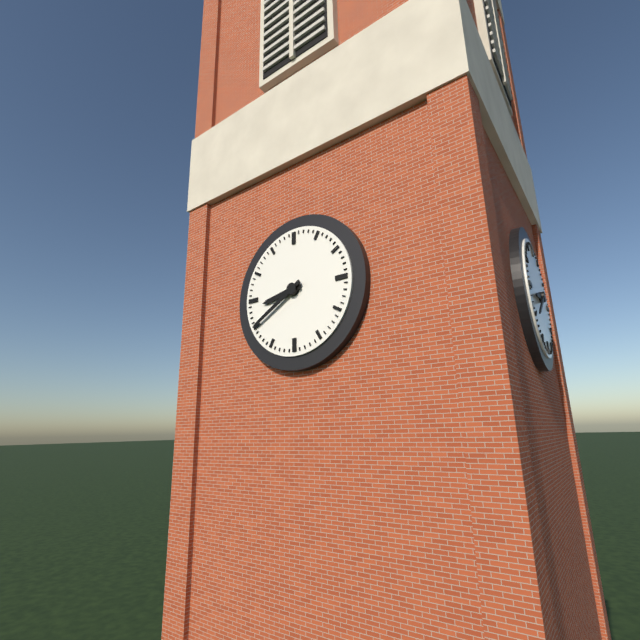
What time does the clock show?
8:40
